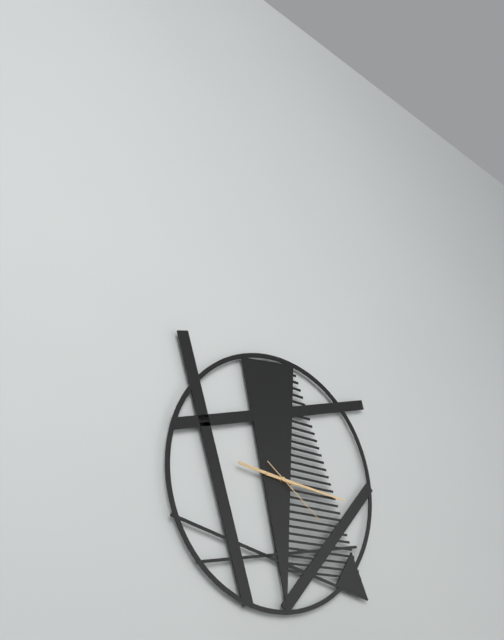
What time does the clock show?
9:16:21
